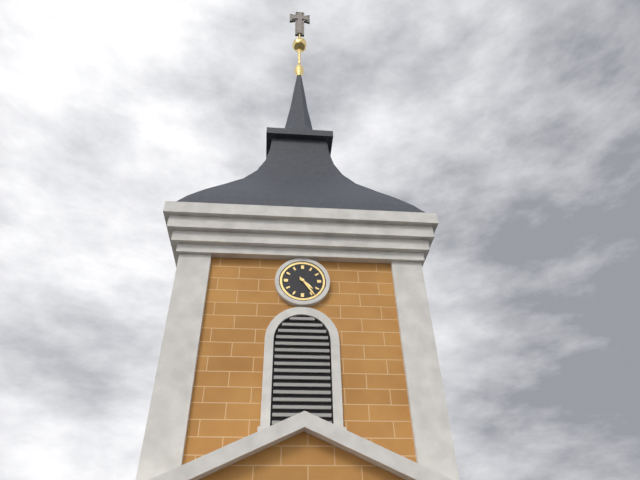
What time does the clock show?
4:24
